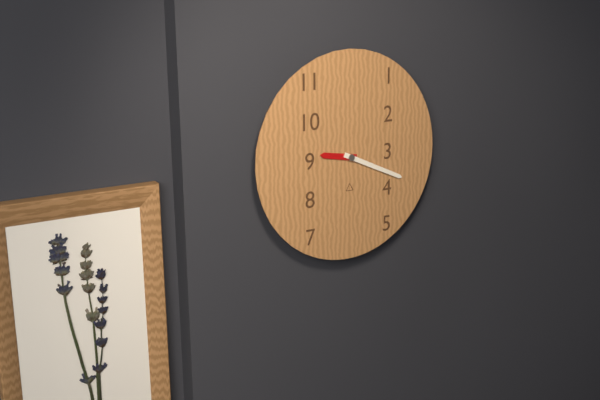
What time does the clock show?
9:19
